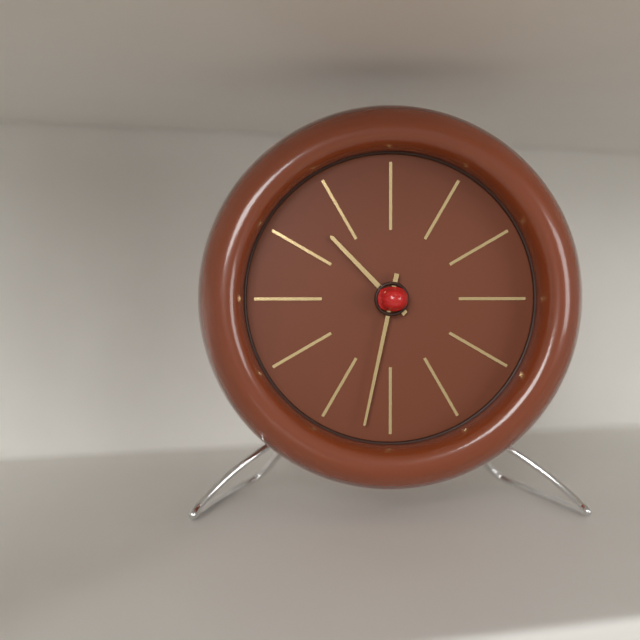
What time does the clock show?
10:32
